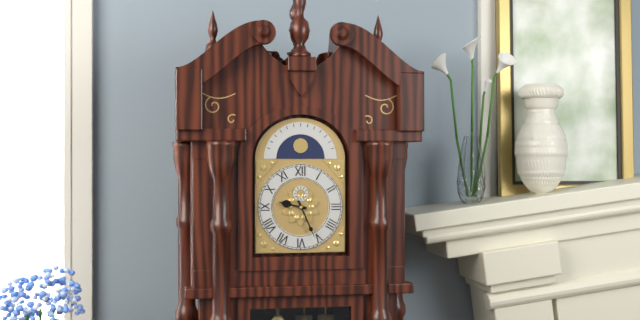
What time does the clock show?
9:26
